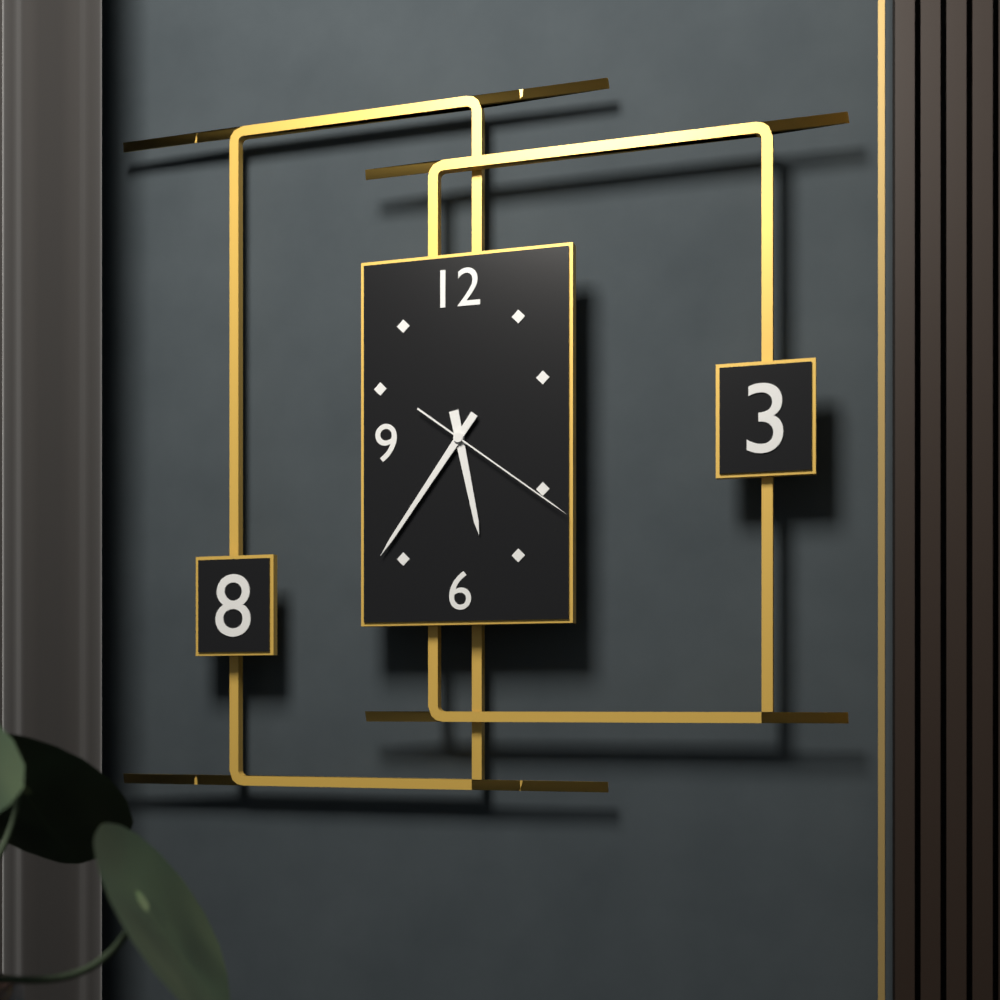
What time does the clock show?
5:36:21
